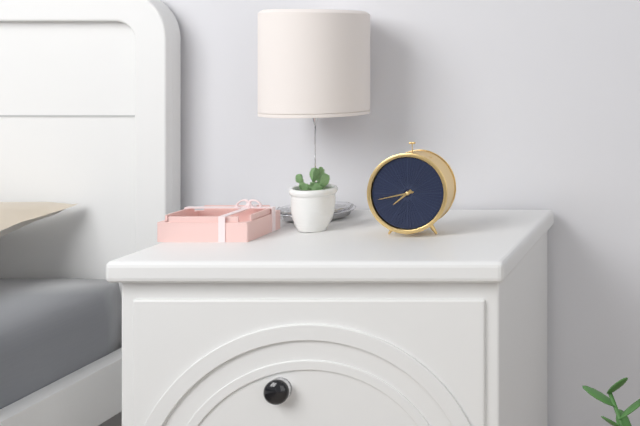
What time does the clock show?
7:43
